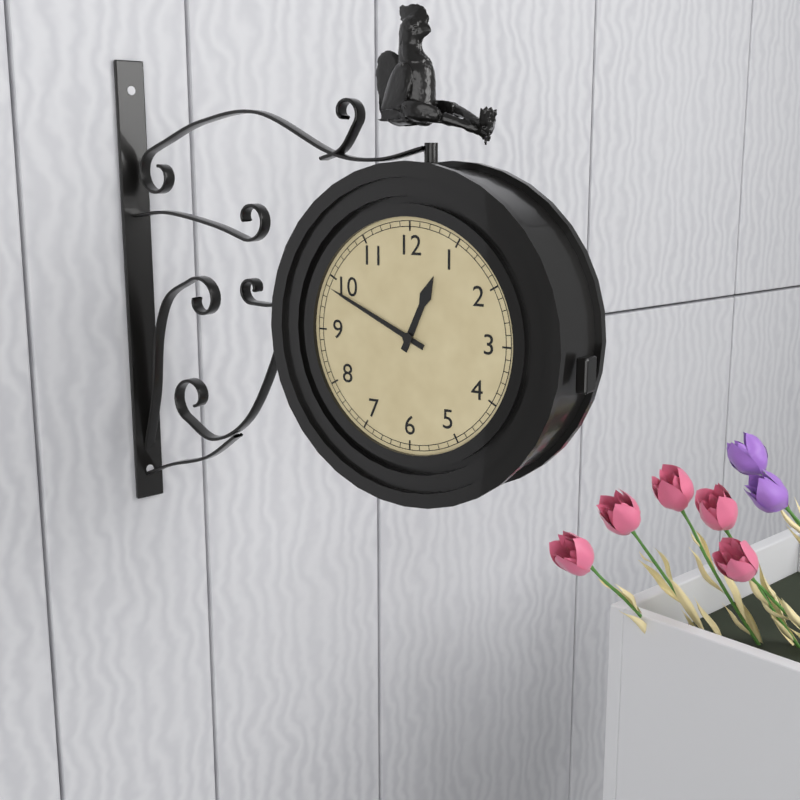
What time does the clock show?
12:49
